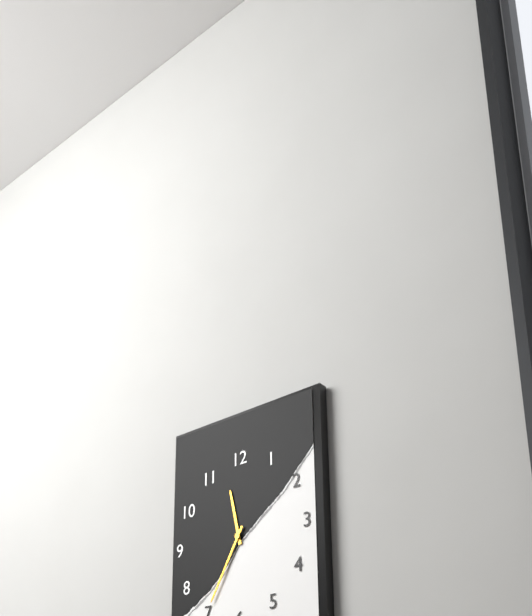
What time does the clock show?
11:35
